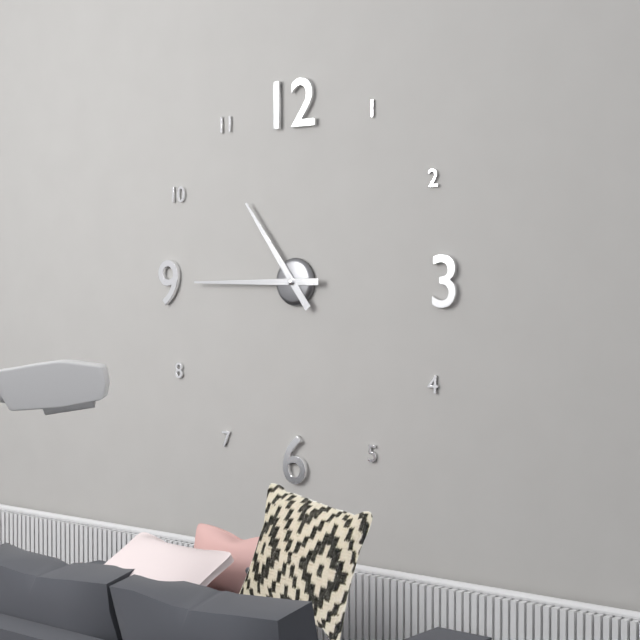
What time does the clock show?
10:45
